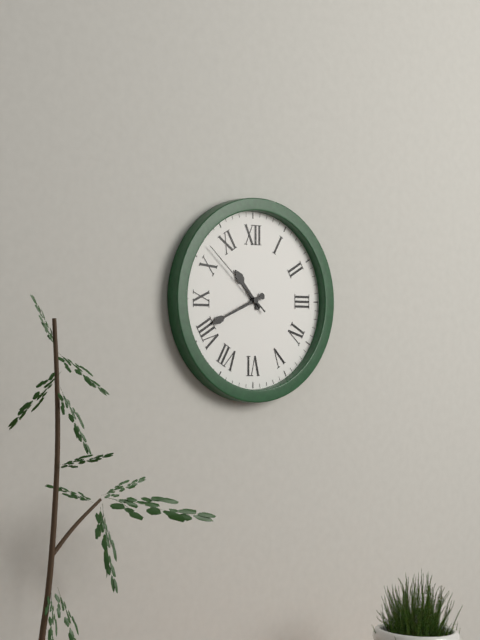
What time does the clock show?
10:41:52
